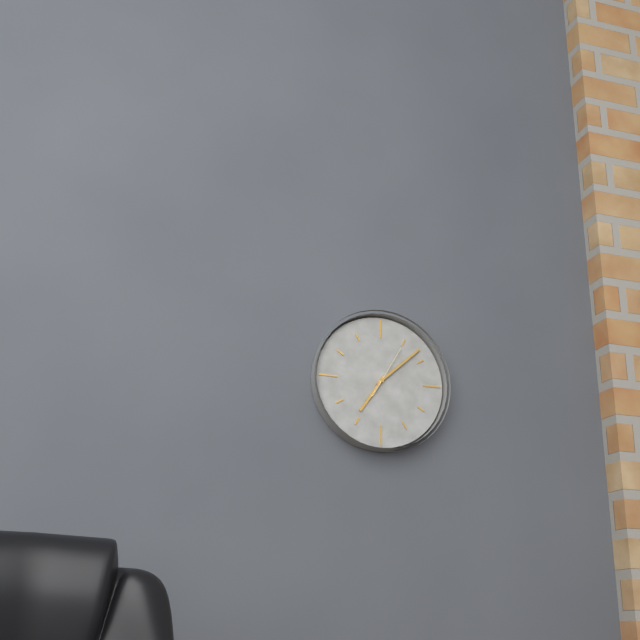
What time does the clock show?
7:08
